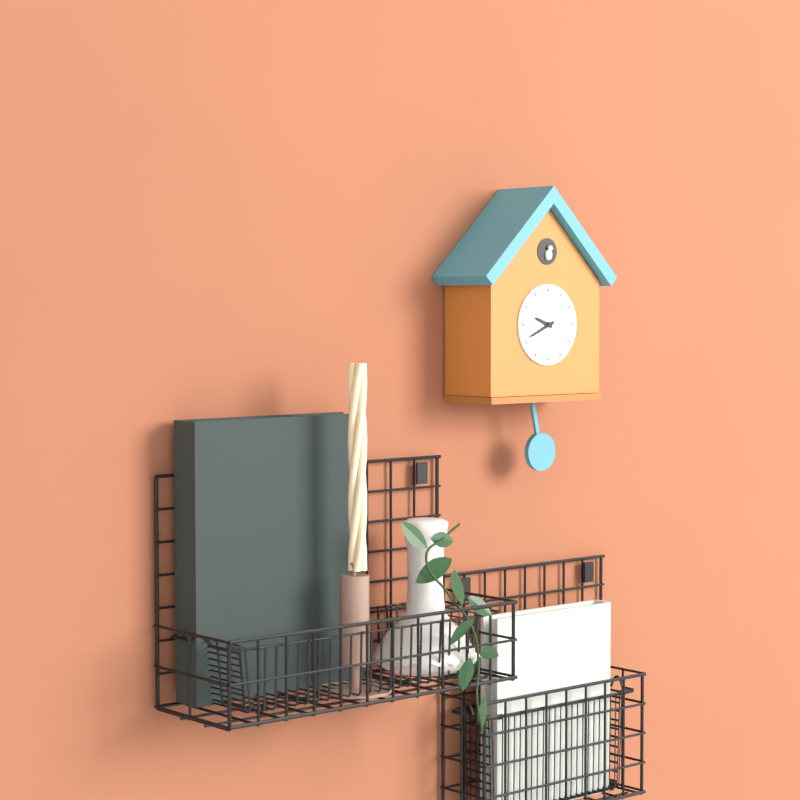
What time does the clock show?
9:41
